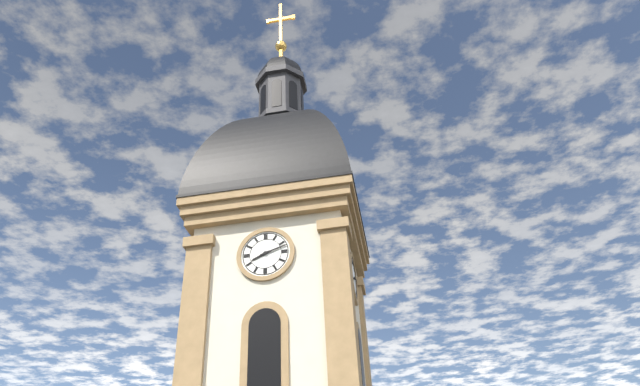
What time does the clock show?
8:12
